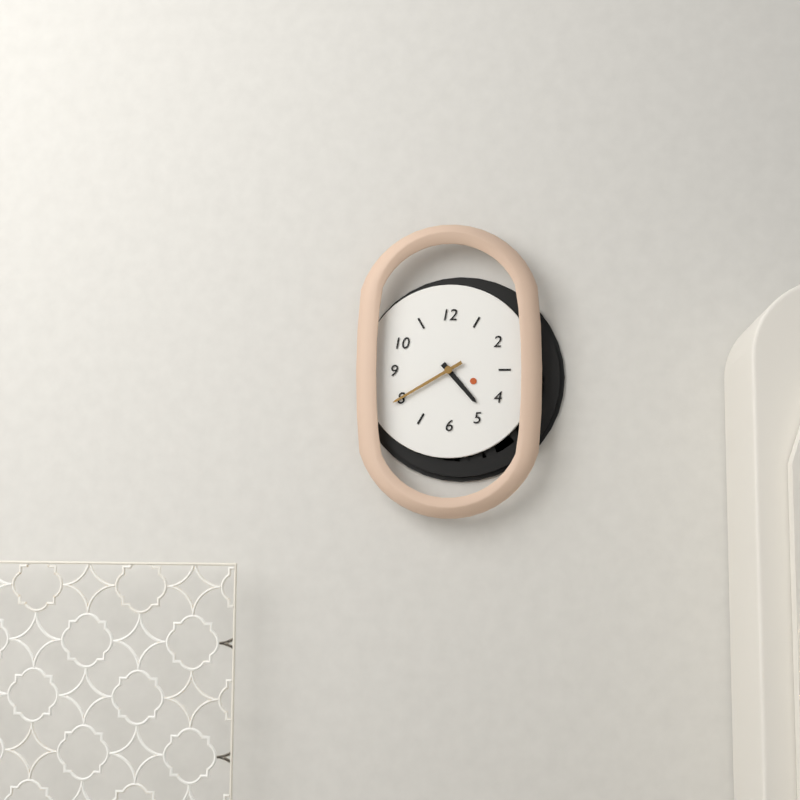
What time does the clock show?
4:40
